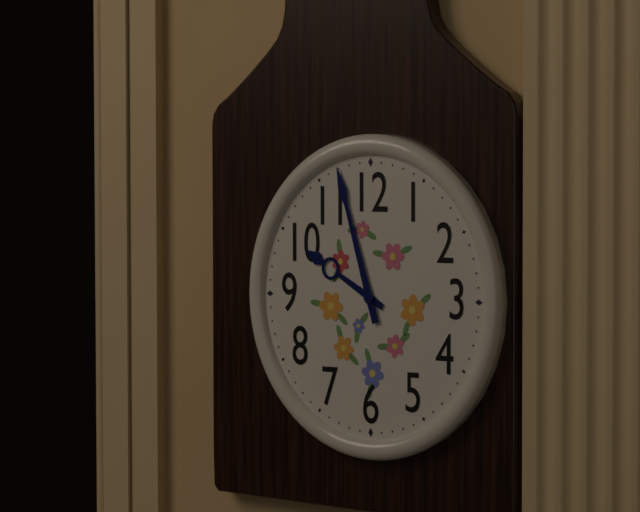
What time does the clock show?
9:57
